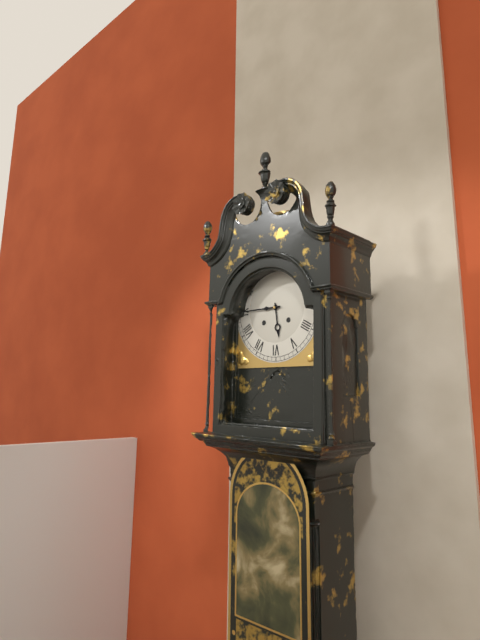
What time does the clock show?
5:45
